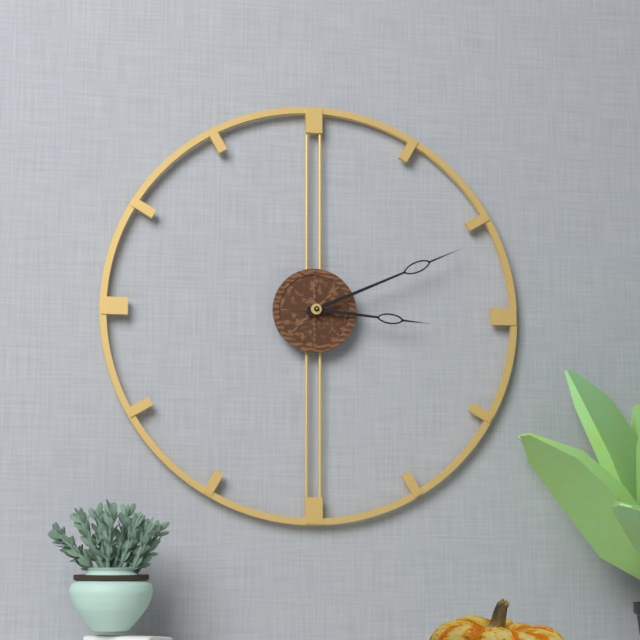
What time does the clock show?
3:11
